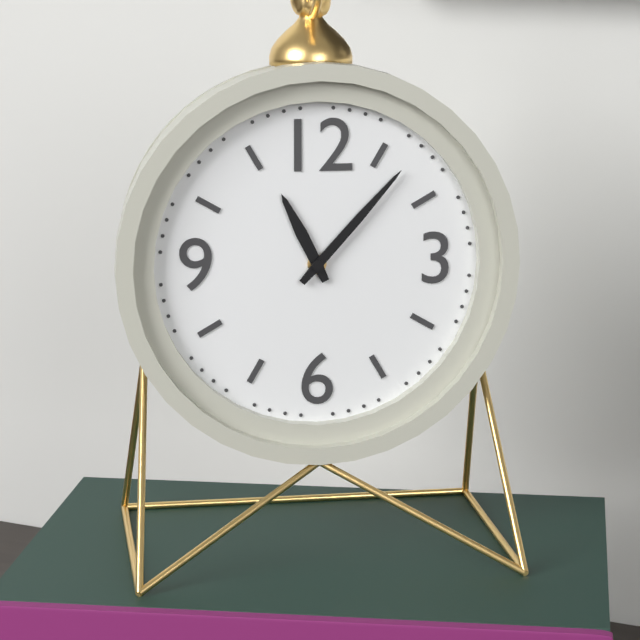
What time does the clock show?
11:07
